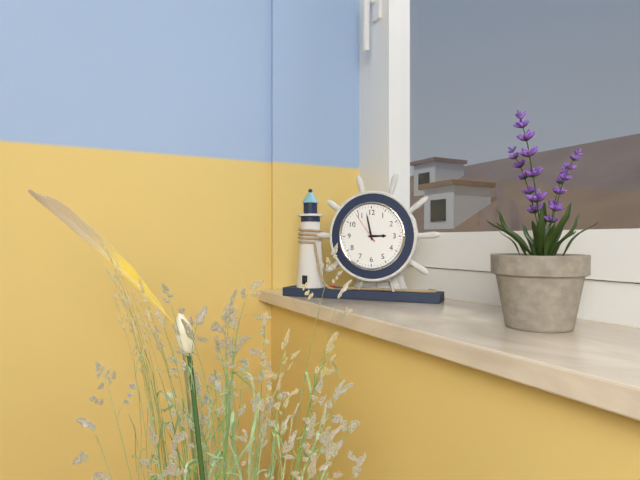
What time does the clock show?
2:58
